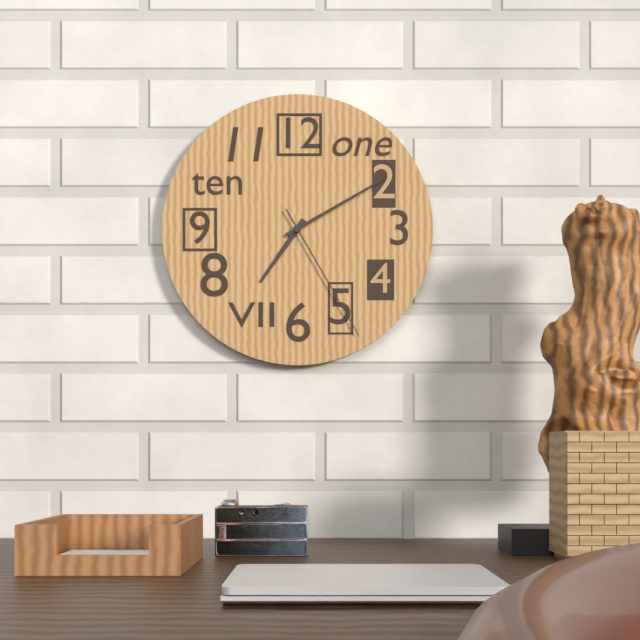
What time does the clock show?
7:10:25
